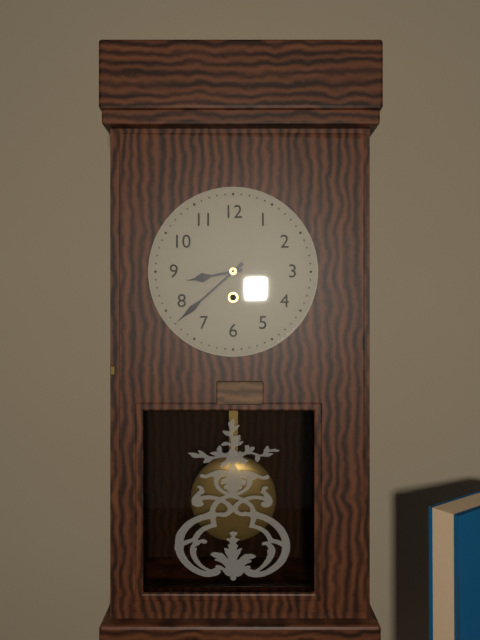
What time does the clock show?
8:38
